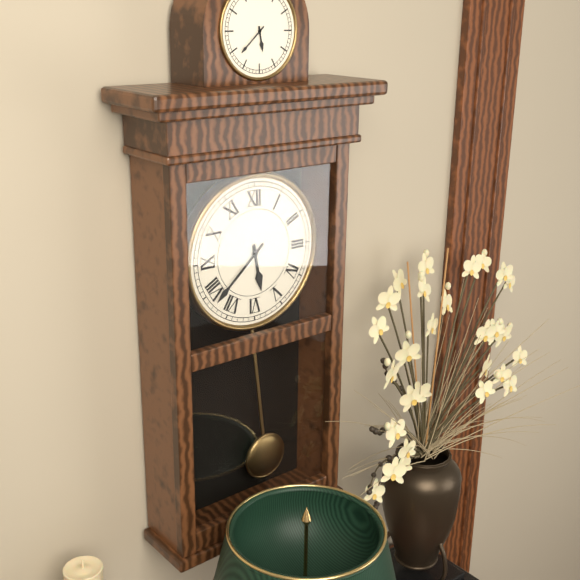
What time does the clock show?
5:38
